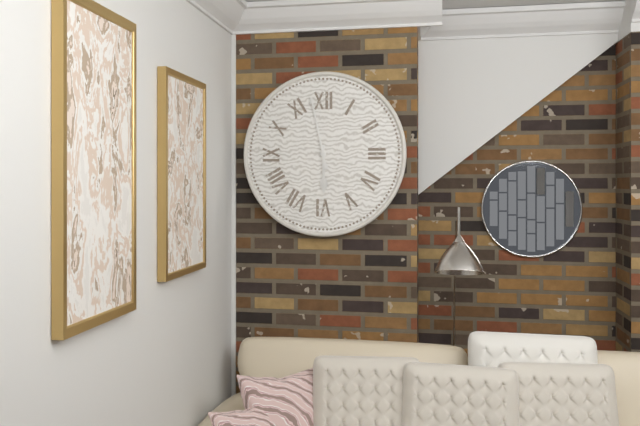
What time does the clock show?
5:58
